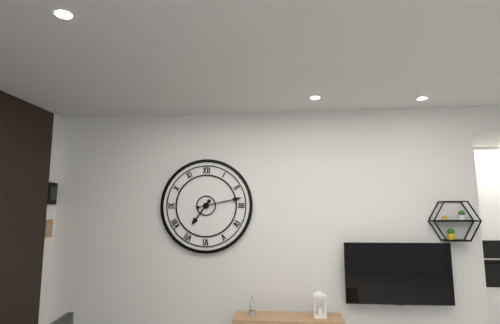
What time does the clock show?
7:13
